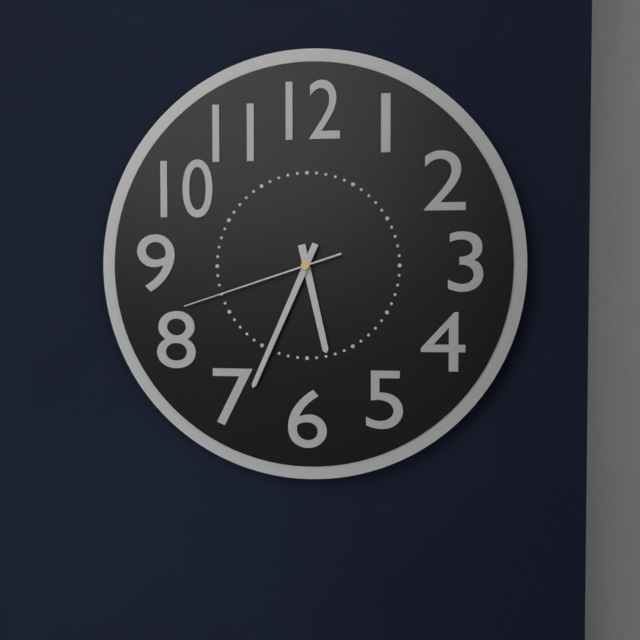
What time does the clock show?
5:34:42
